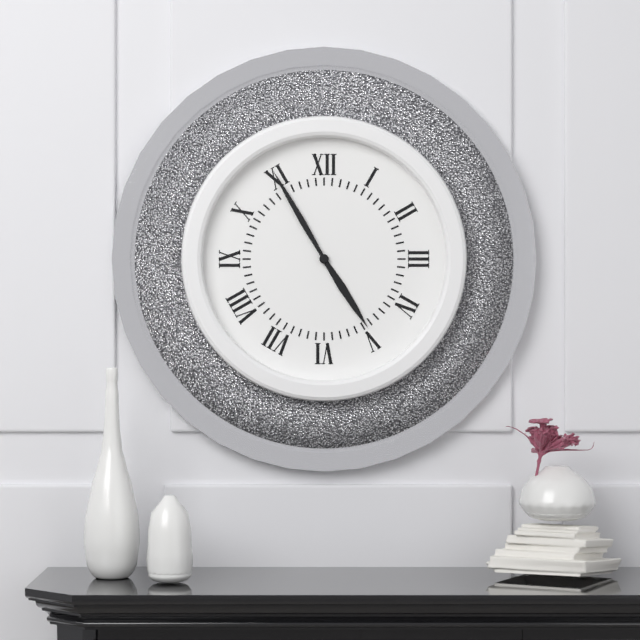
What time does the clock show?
4:55
